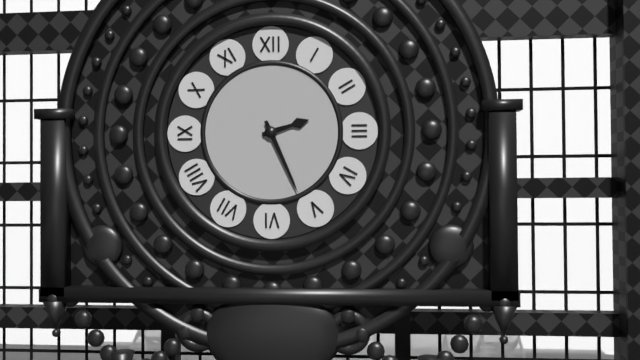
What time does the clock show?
2:26
